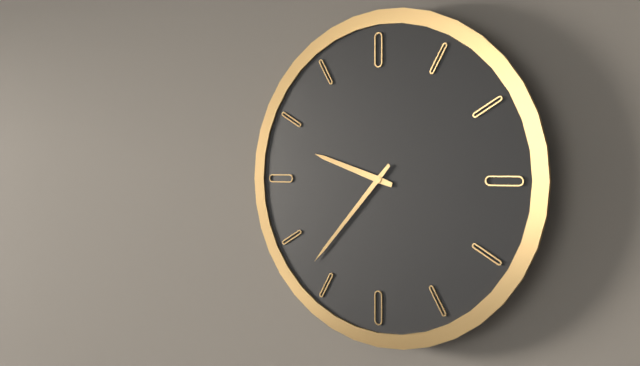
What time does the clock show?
9:37
